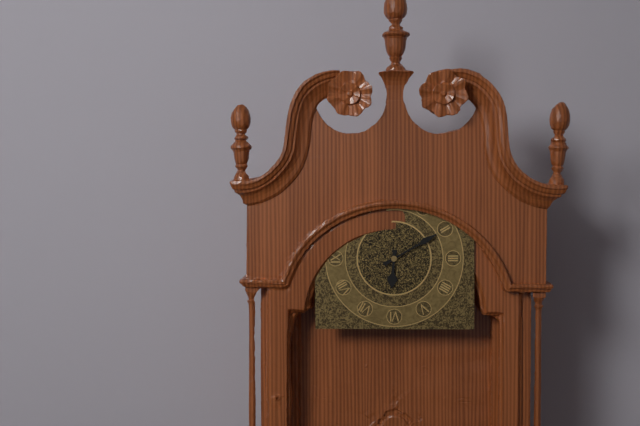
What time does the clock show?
6:10
